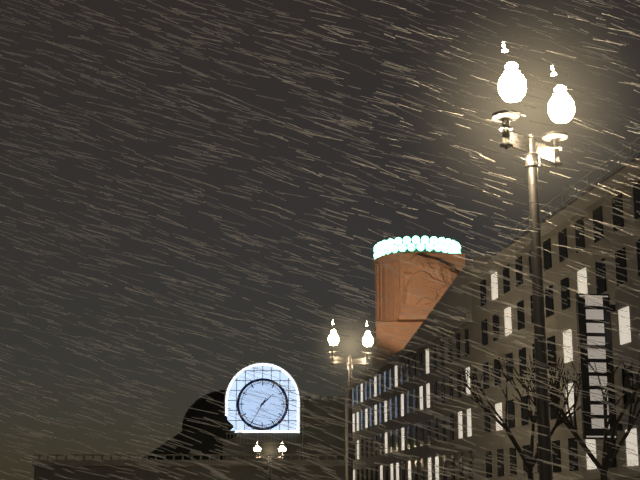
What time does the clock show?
1:35
